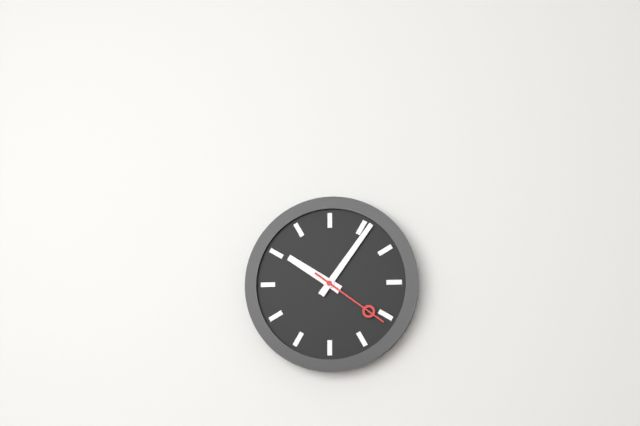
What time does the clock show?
10:06:21
